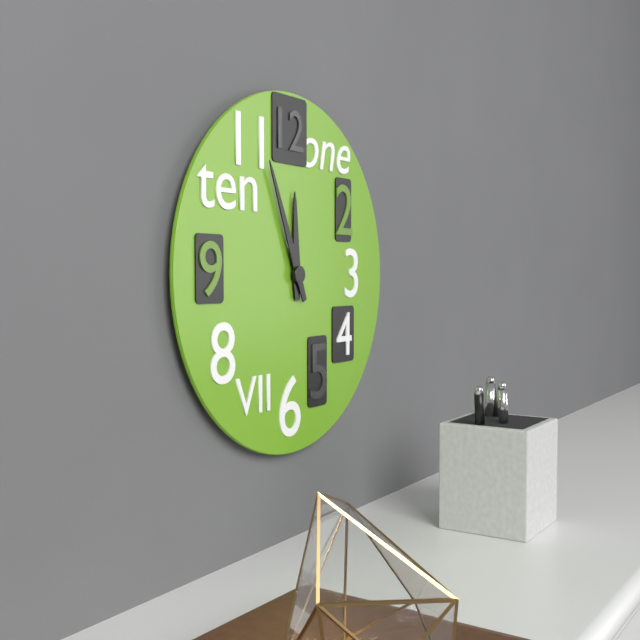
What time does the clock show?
11:56
